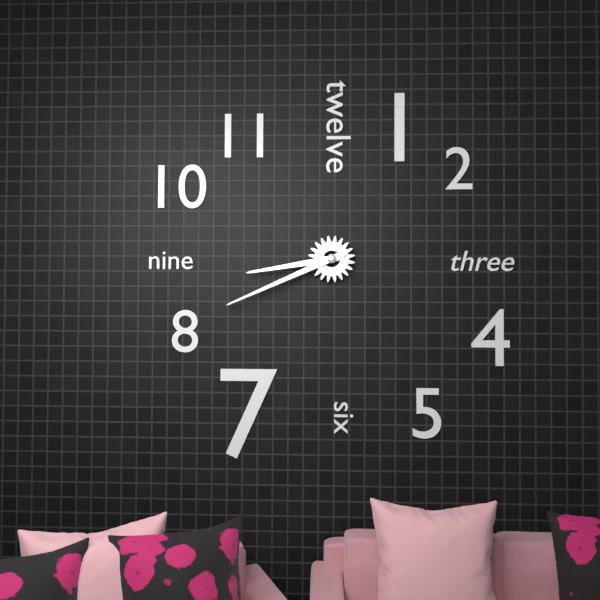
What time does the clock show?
8:41
